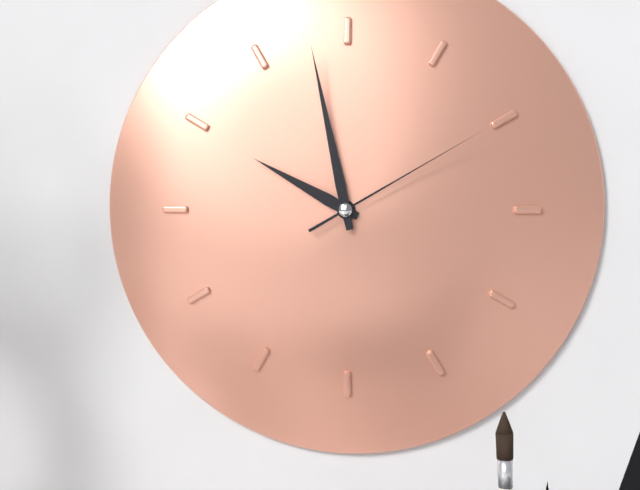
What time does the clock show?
9:58:10
